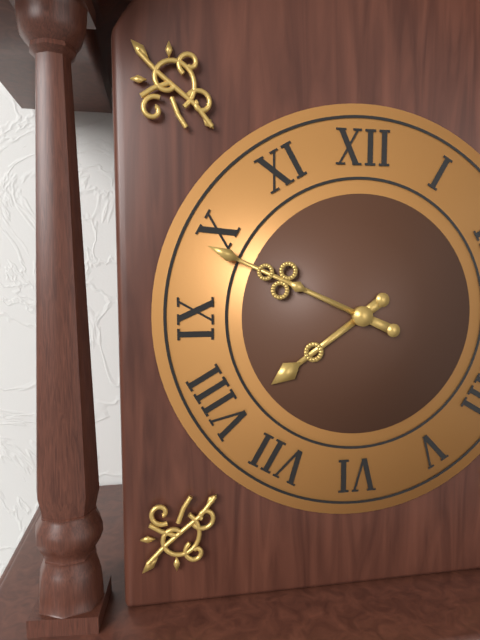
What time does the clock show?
7:49
